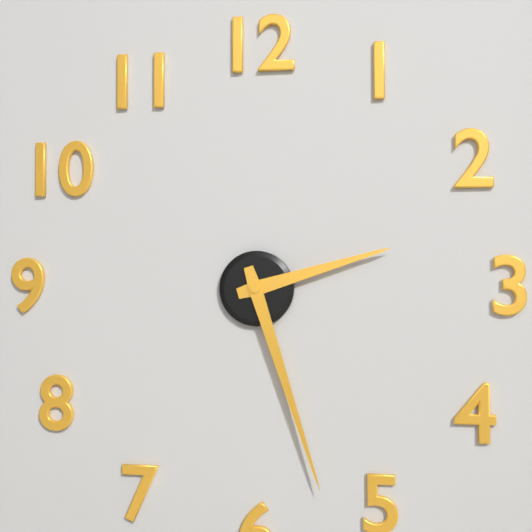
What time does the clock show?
2:27
